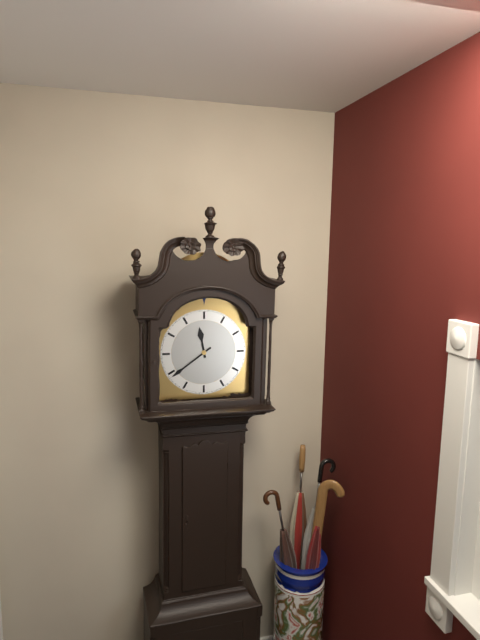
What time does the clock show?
11:39
